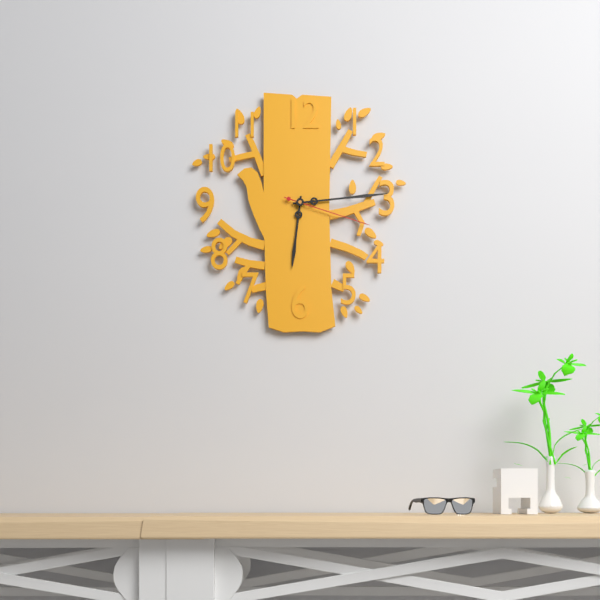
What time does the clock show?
6:14:18
